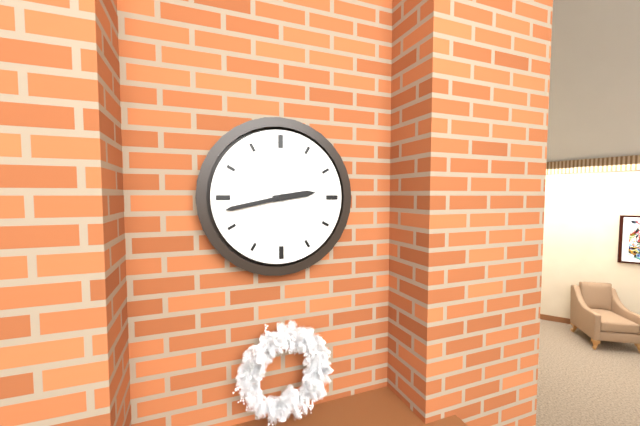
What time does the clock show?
2:43
